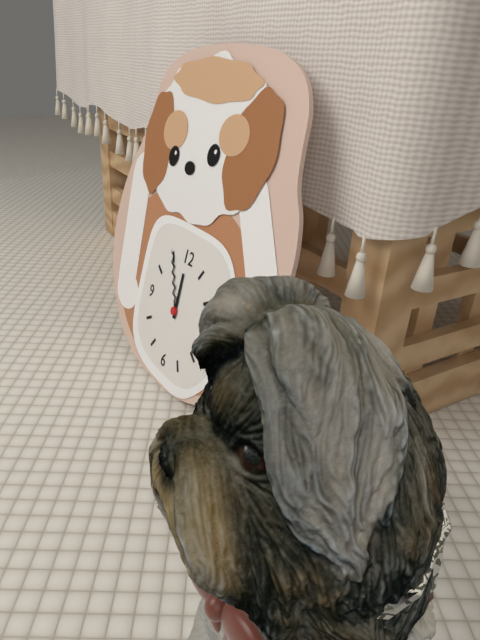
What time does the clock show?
11:55
